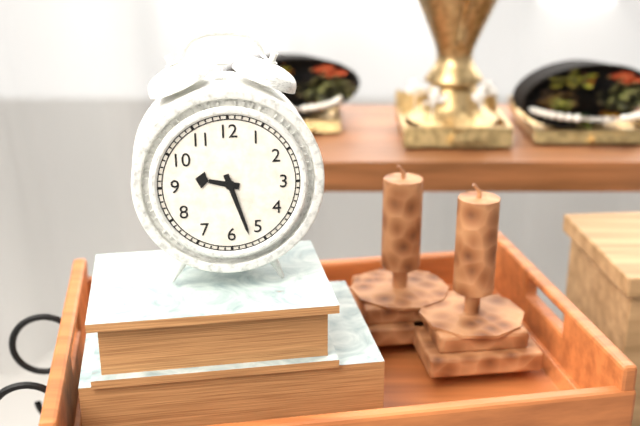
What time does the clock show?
9:27
